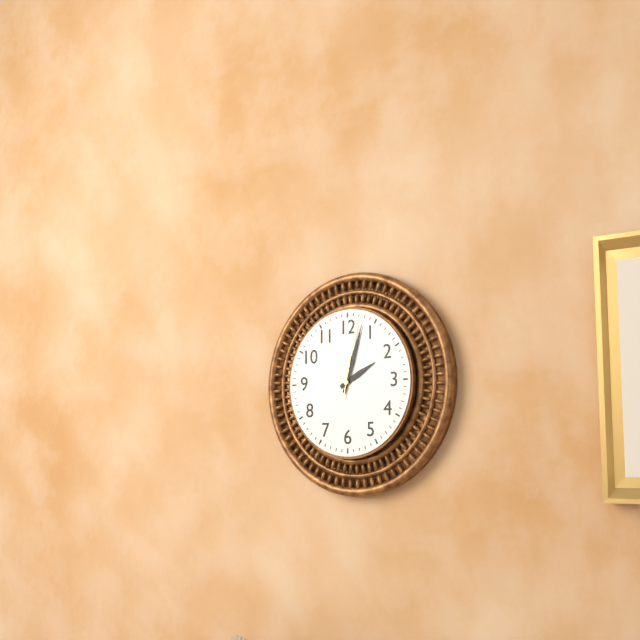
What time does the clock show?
2:03:02
